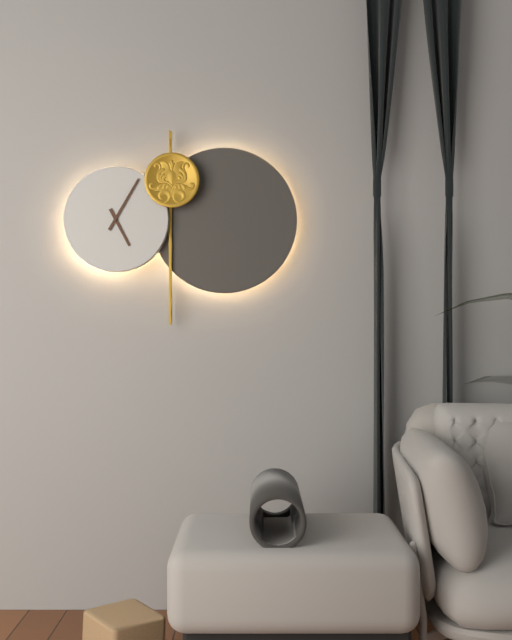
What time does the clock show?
5:05
